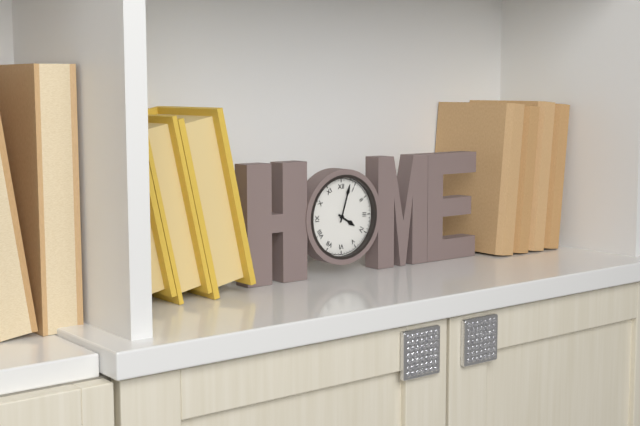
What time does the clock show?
4:03
